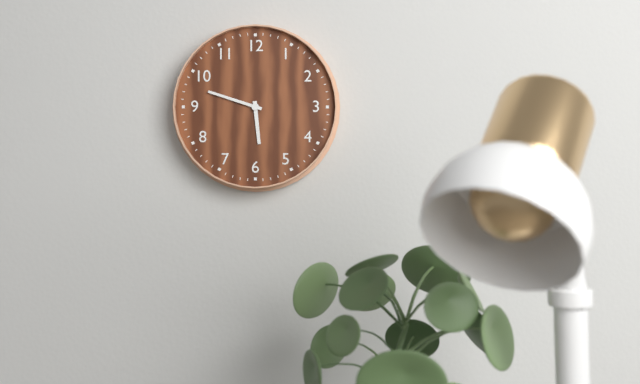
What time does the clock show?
5:48
